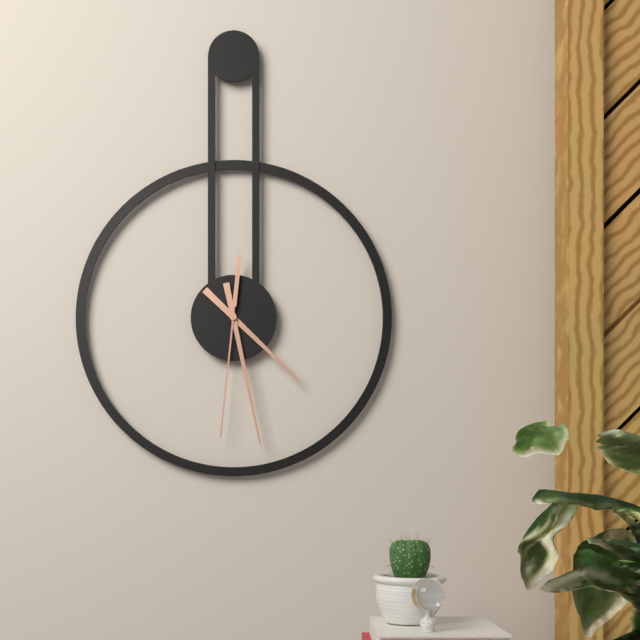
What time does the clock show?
4:28:31
